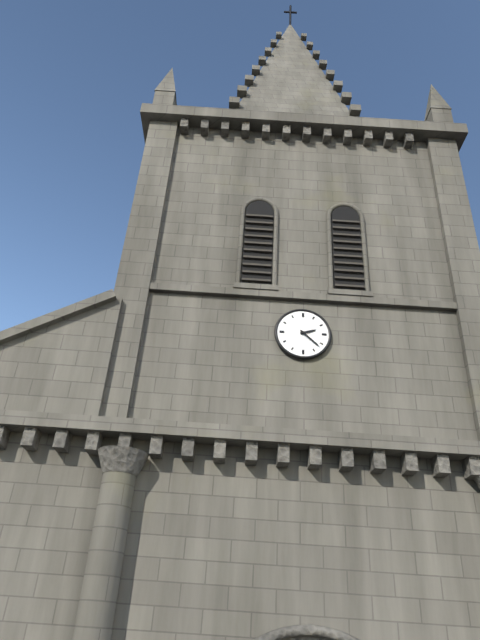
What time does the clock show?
2:22
